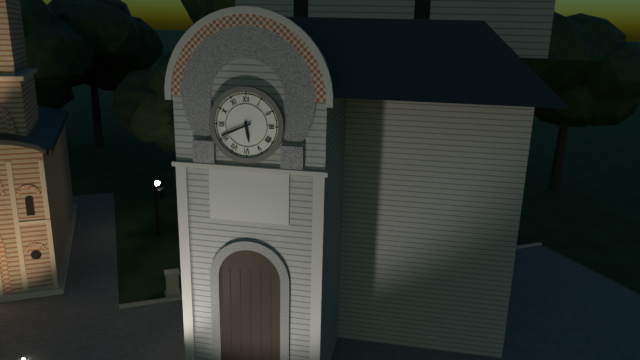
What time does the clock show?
5:41
